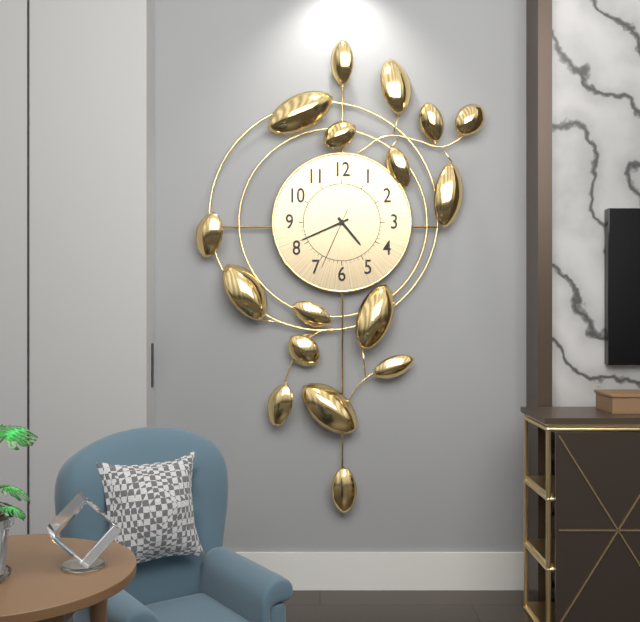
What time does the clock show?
4:41:34
